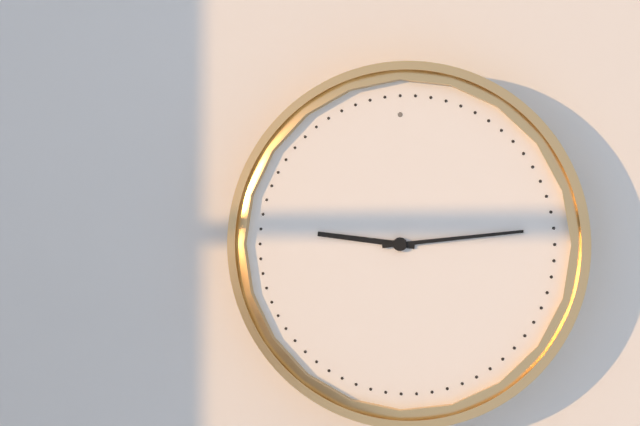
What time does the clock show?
9:14
